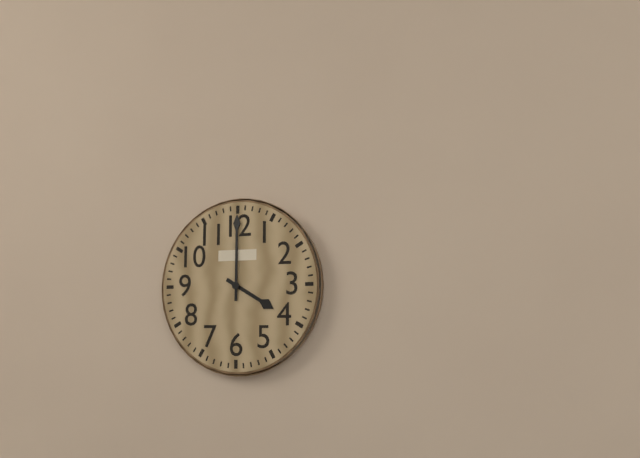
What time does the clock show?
4:00
